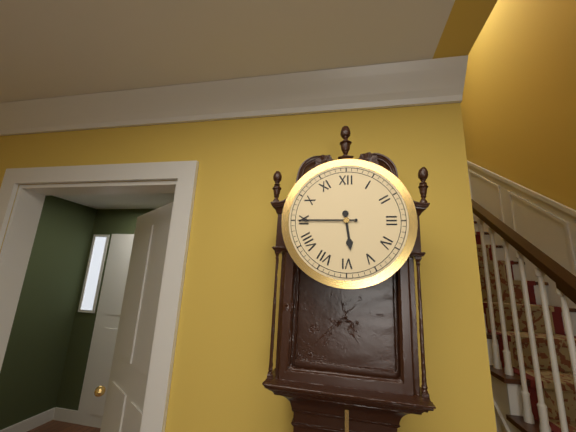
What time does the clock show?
5:45
